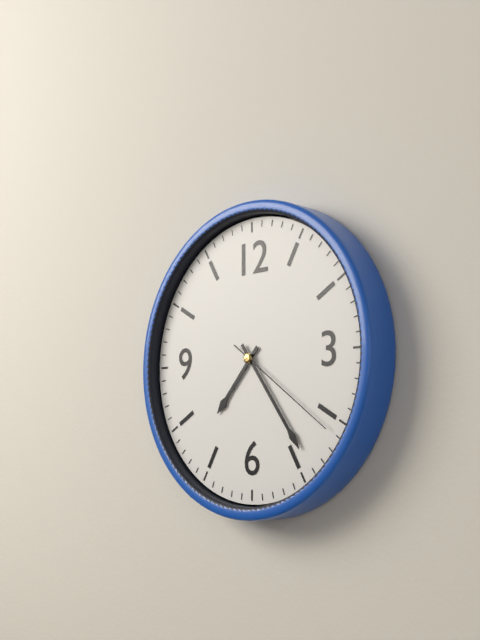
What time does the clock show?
7:24:21
